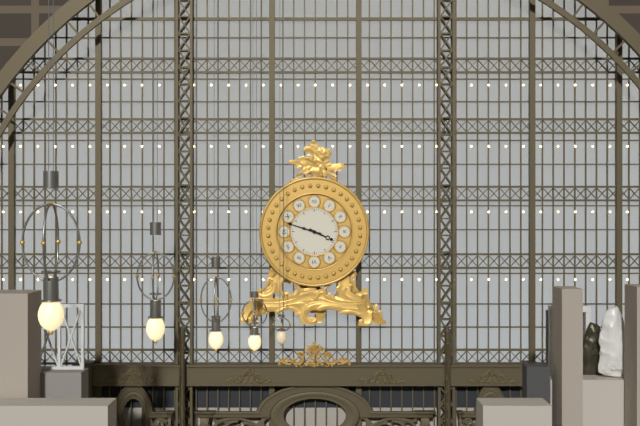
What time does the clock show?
3:48
